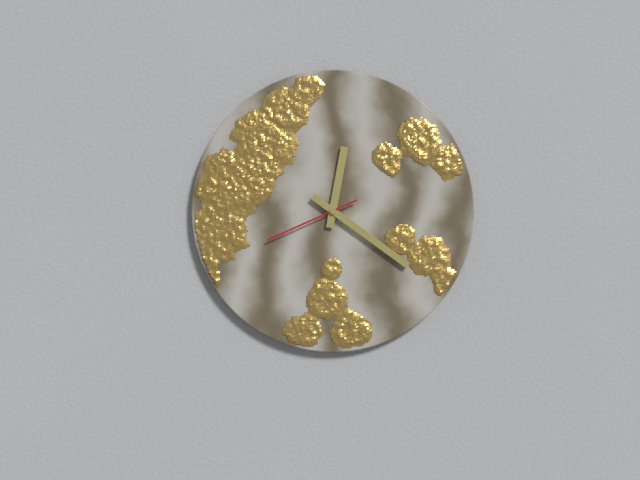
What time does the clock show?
12:21:41
